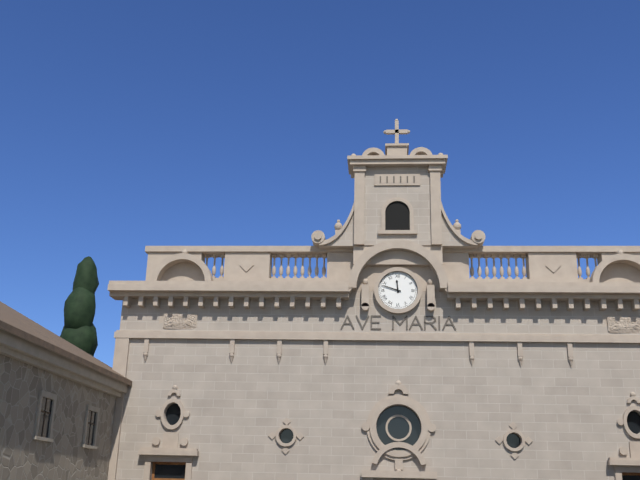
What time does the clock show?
11:48
